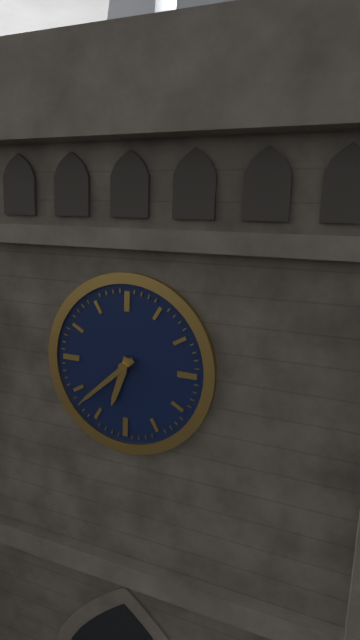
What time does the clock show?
6:38
